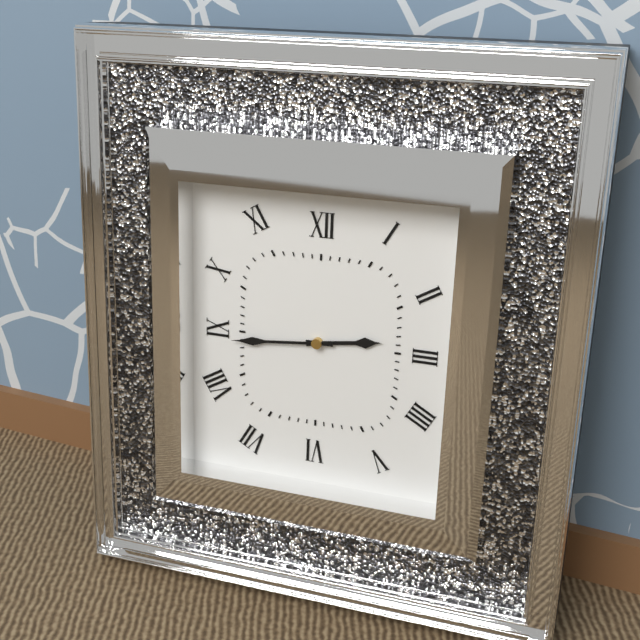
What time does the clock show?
2:44
